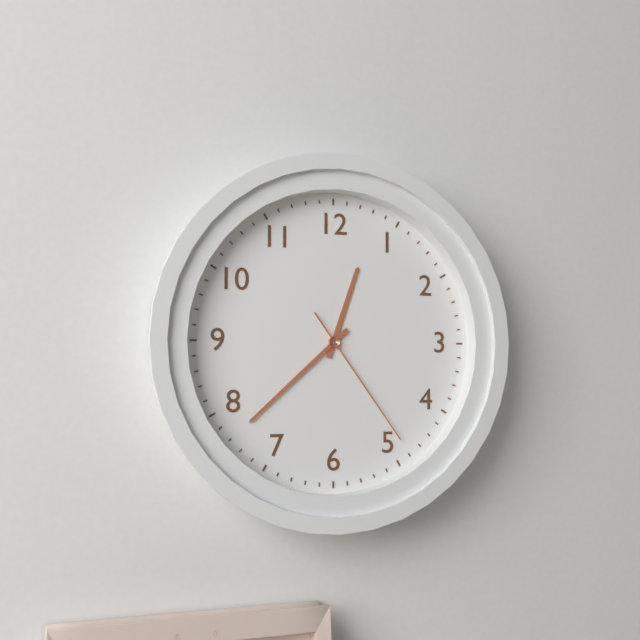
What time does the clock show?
12:38:24
